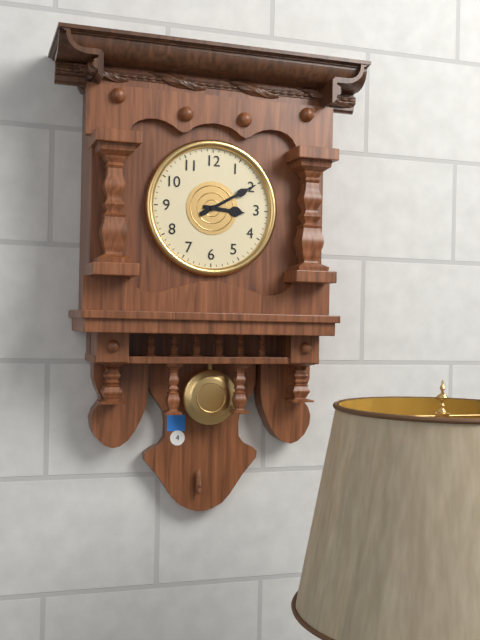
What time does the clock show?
3:10
